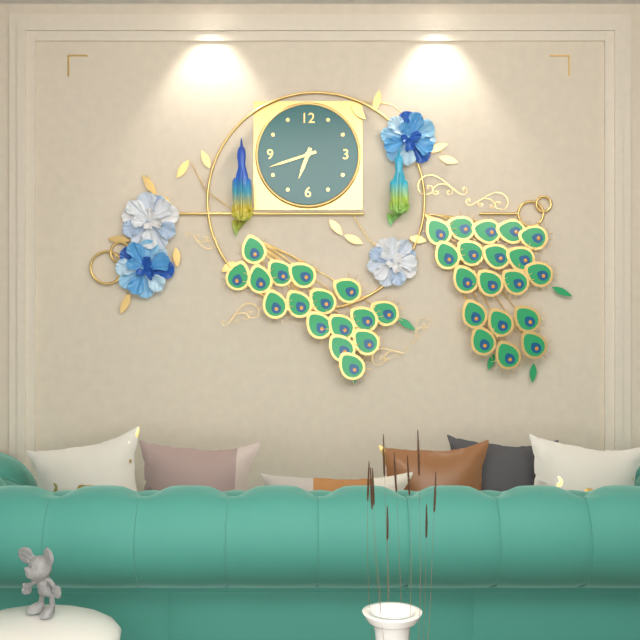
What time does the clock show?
6:42
